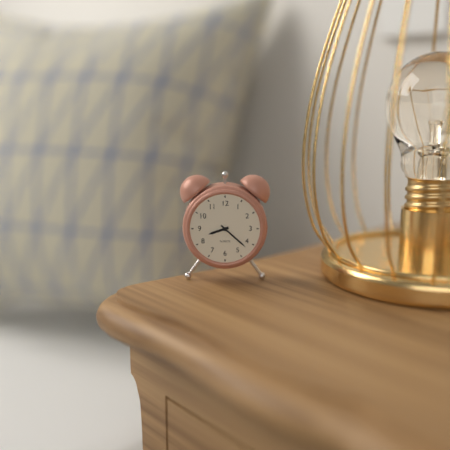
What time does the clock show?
8:22
